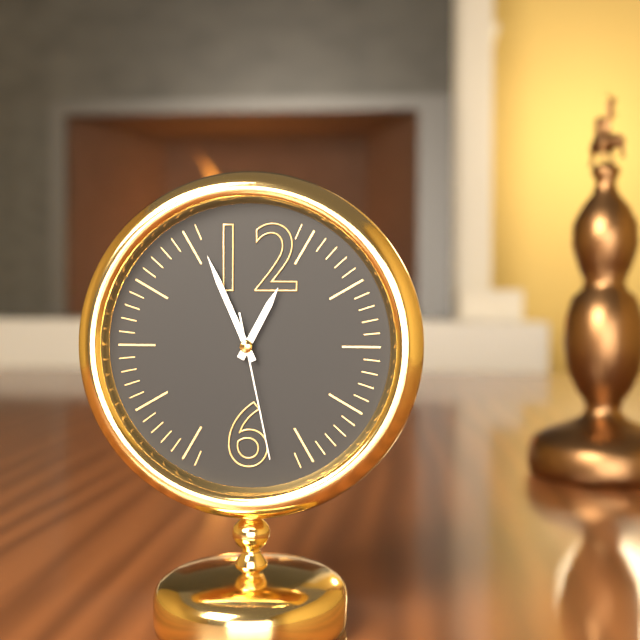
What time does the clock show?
12:56:28
